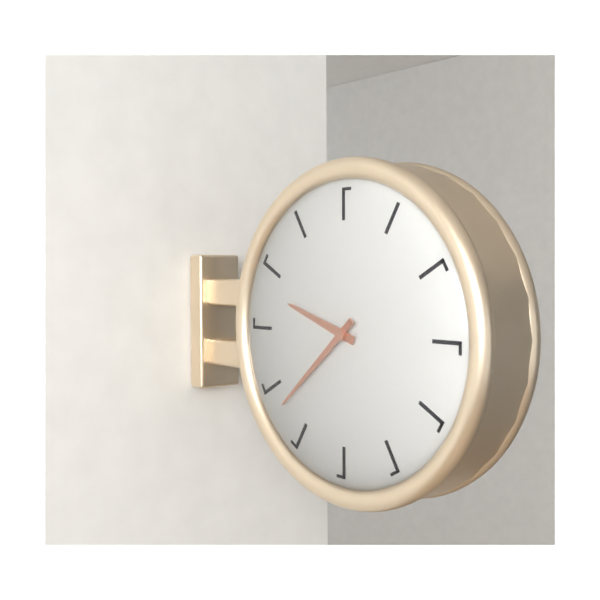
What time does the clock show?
9:38
